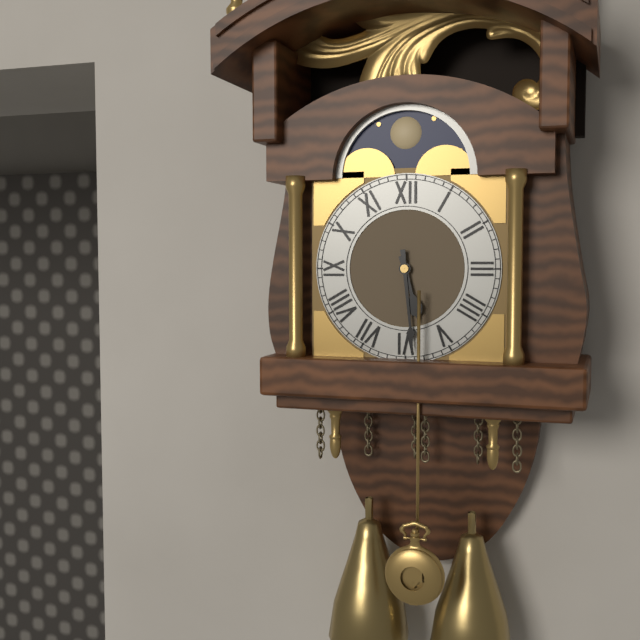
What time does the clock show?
5:29
